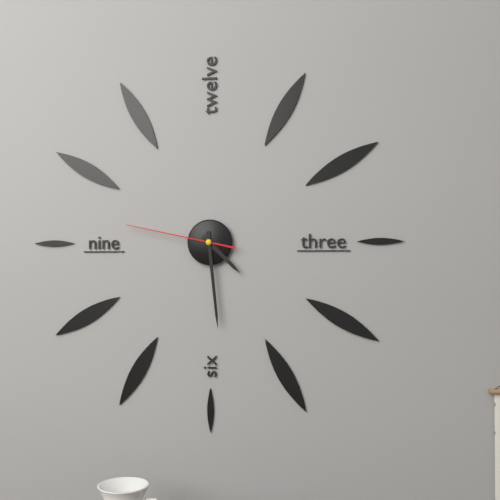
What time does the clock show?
4:29:47
